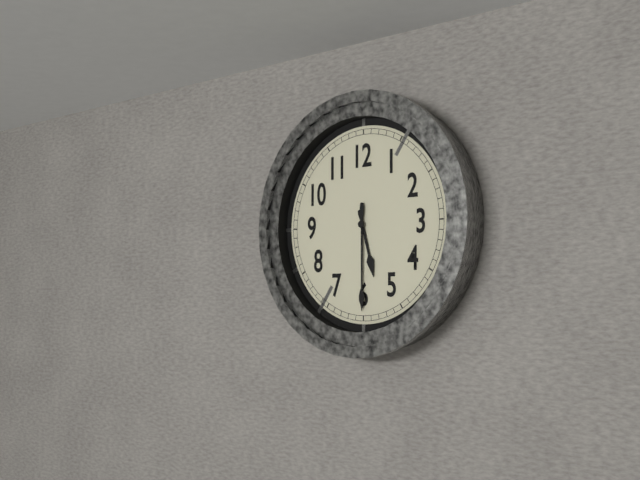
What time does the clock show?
5:30
